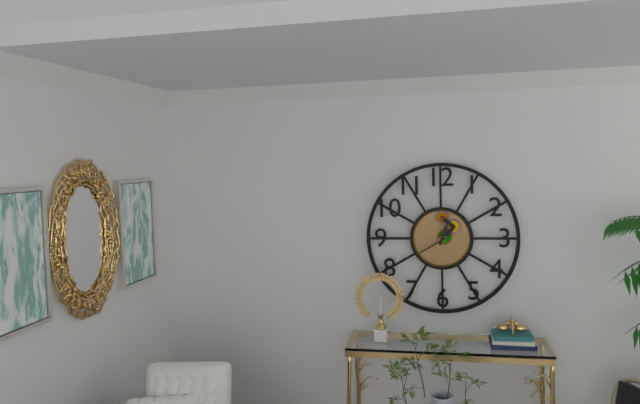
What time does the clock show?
12:40
